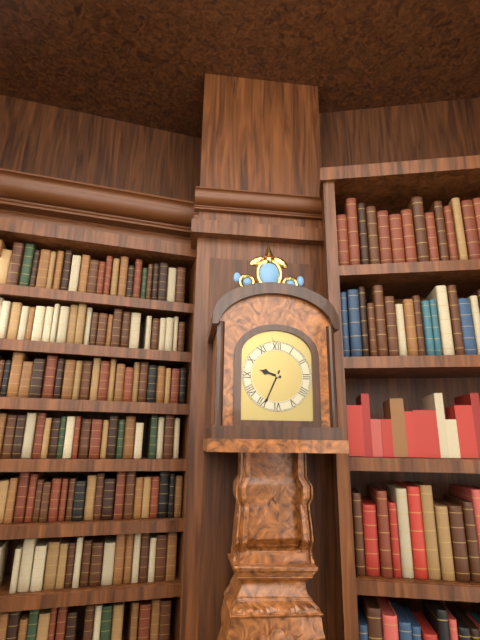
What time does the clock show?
9:34
